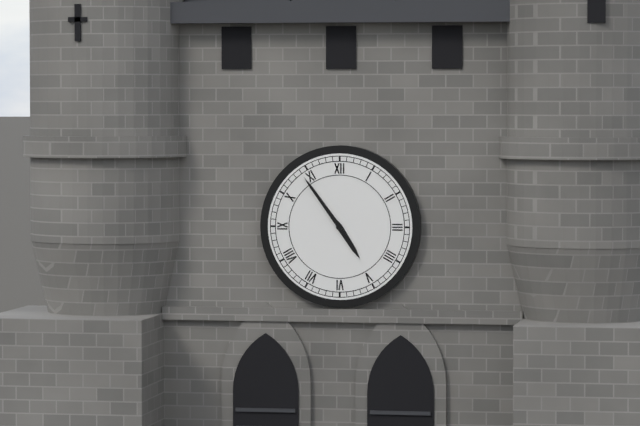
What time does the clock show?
4:54
